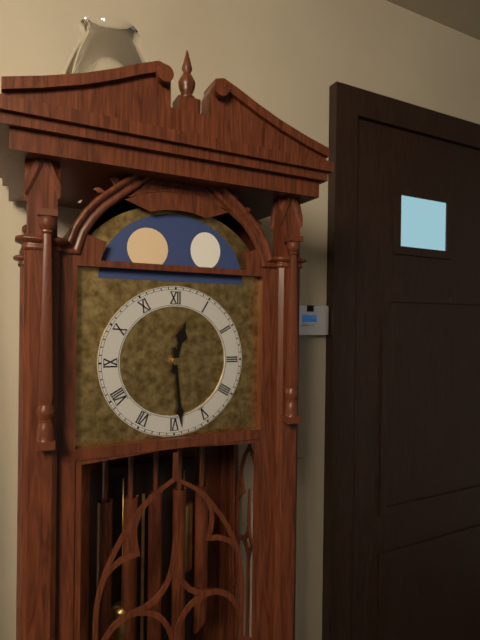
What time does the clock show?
12:29
